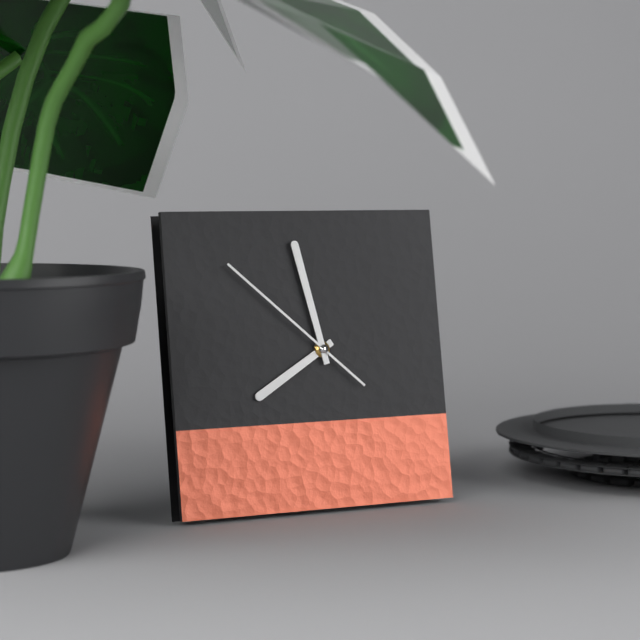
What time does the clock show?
7:58:52
